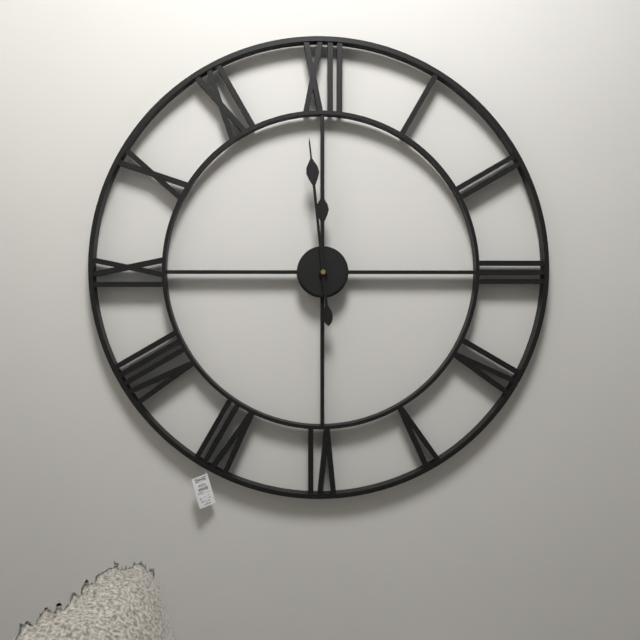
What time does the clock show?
11:59
